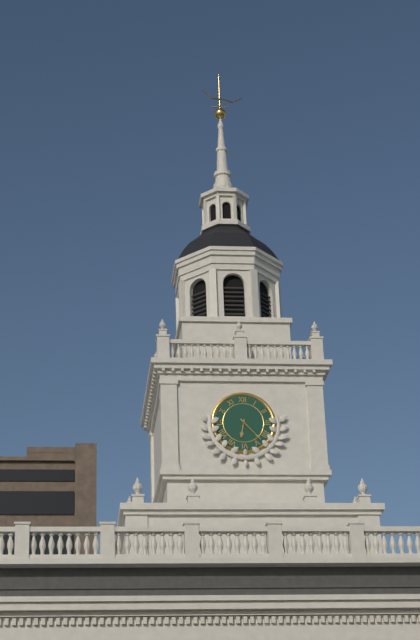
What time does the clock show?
6:23
